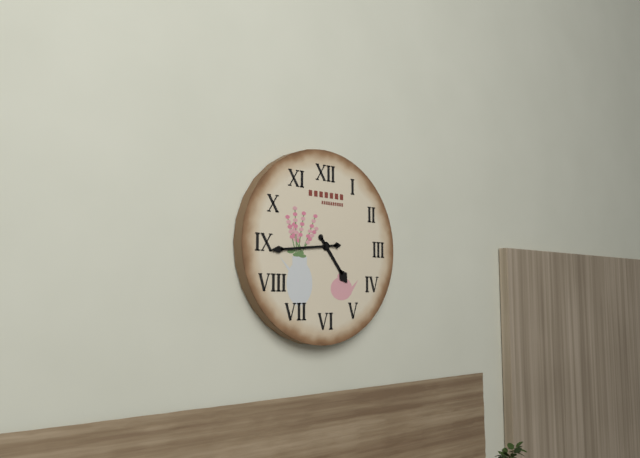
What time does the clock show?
4:44
